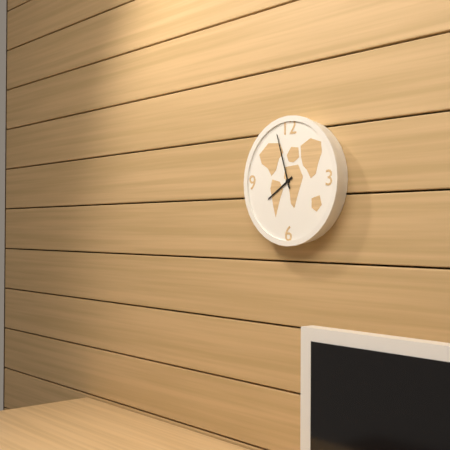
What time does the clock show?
7:57
